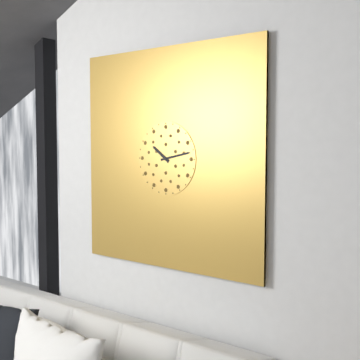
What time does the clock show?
10:13
